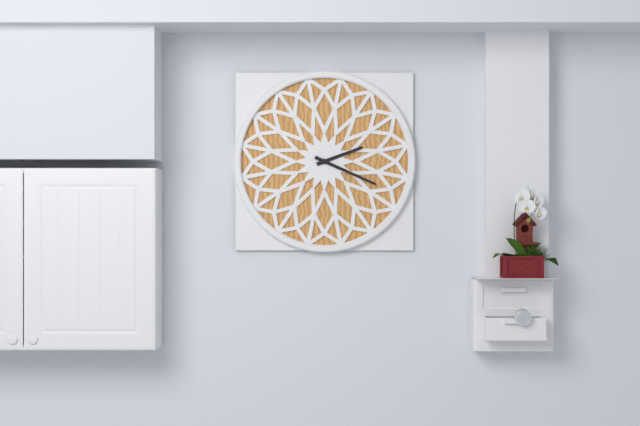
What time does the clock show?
2:19
